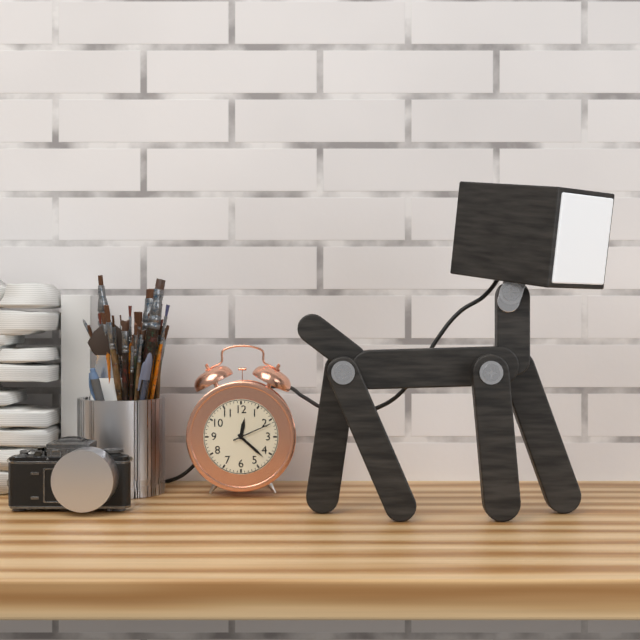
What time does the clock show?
12:22
